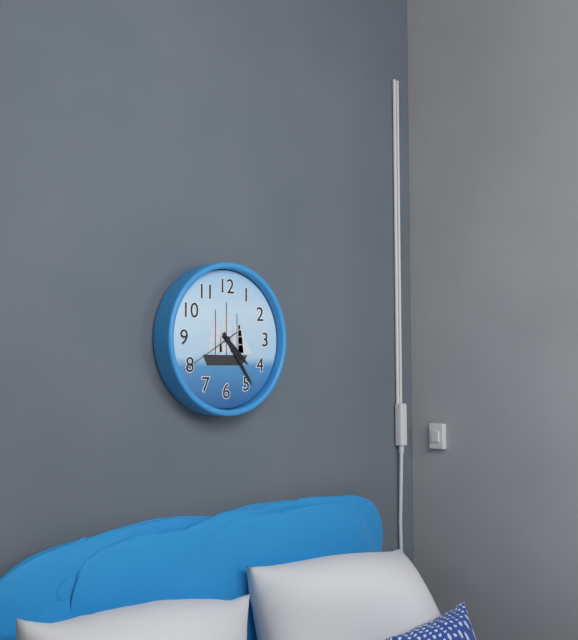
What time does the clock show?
4:24:40
